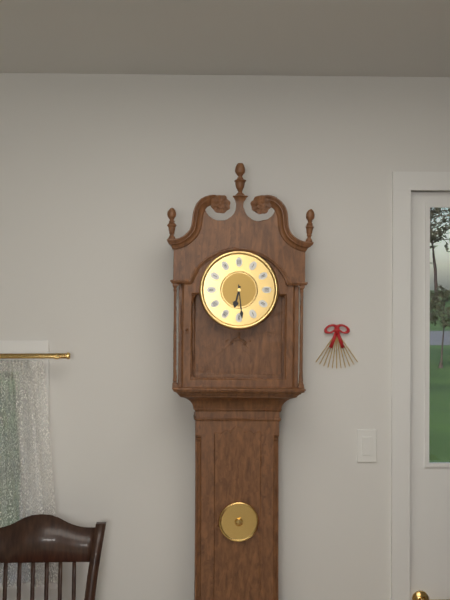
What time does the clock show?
6:29
